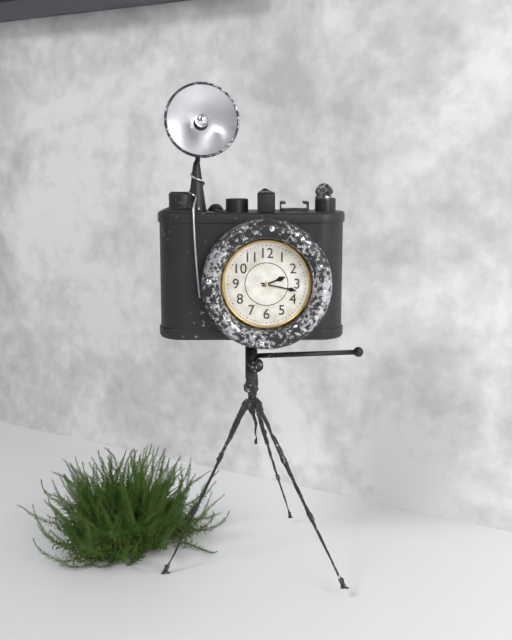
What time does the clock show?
2:17
